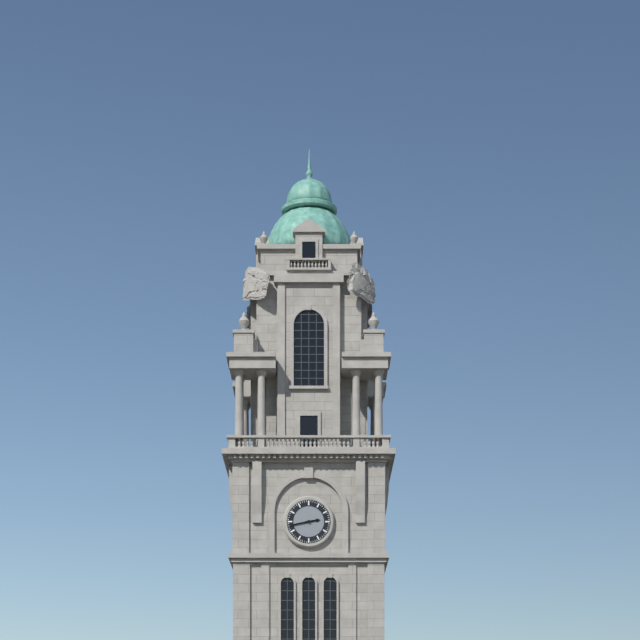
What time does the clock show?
2:43
